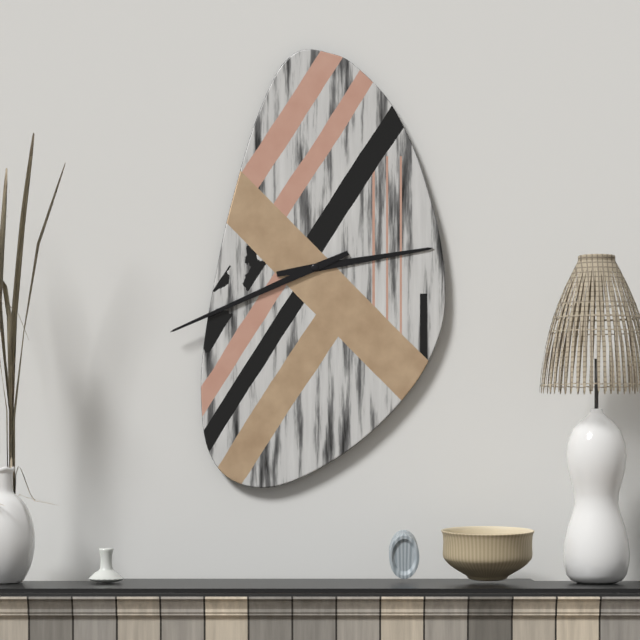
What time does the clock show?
2:41
